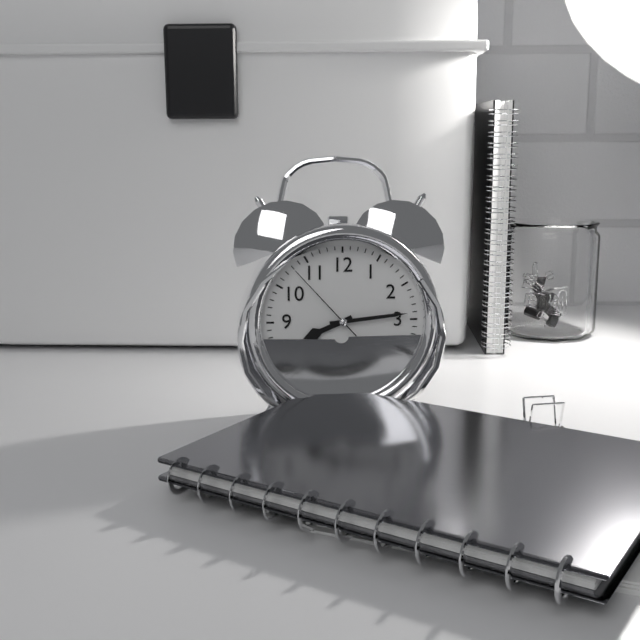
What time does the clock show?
8:14:53
